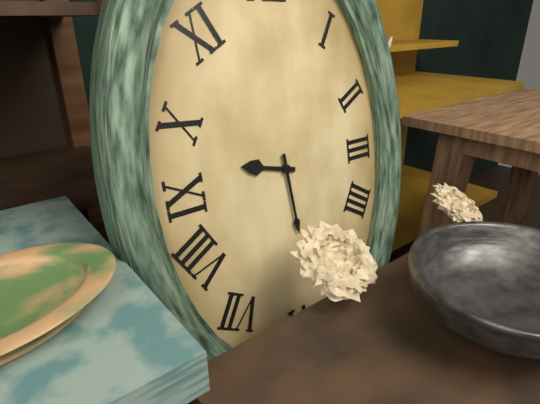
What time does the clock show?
9:29
